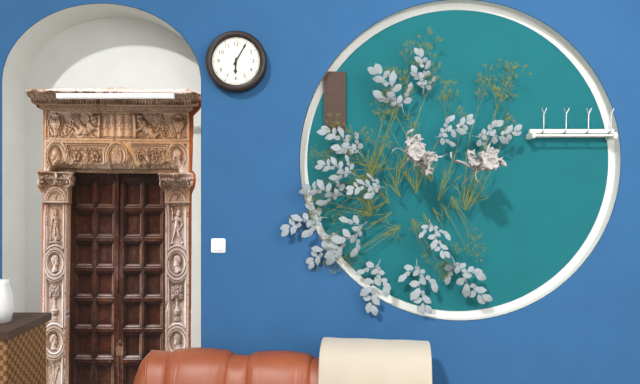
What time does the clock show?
6:05
